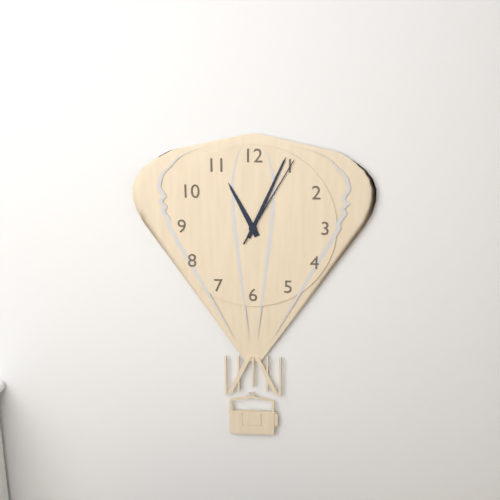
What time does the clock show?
11:04:05
